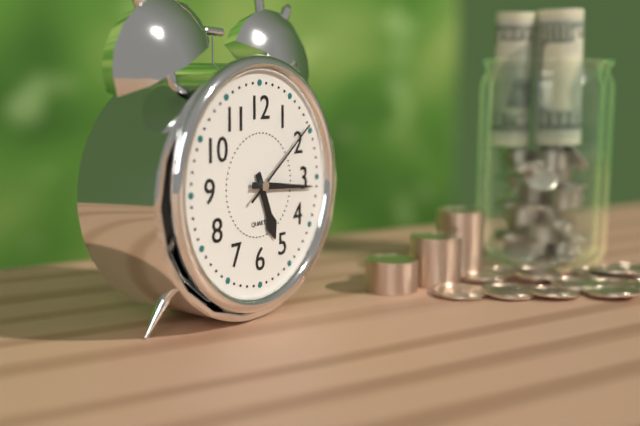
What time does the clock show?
5:16:09
